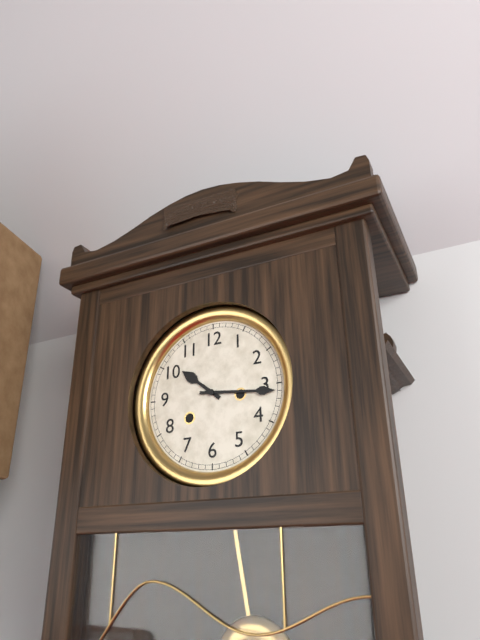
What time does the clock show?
10:16
